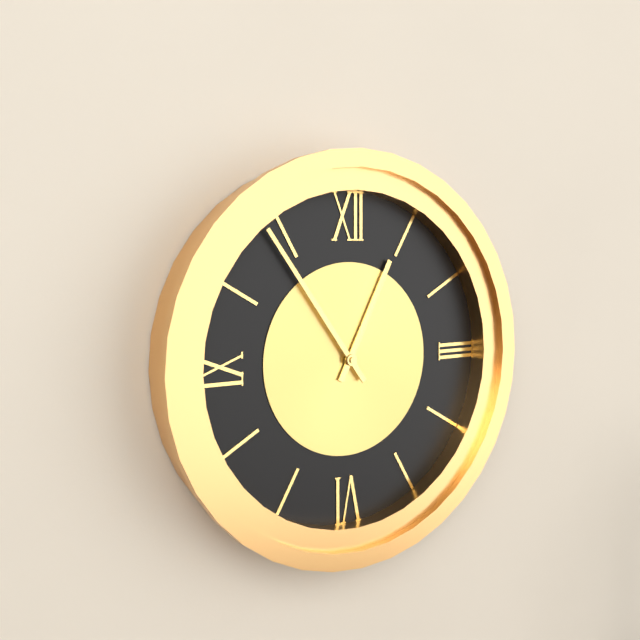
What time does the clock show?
12:54
